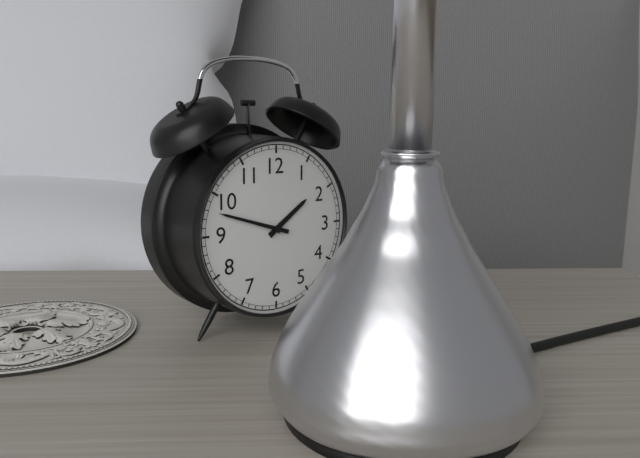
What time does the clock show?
1:48
